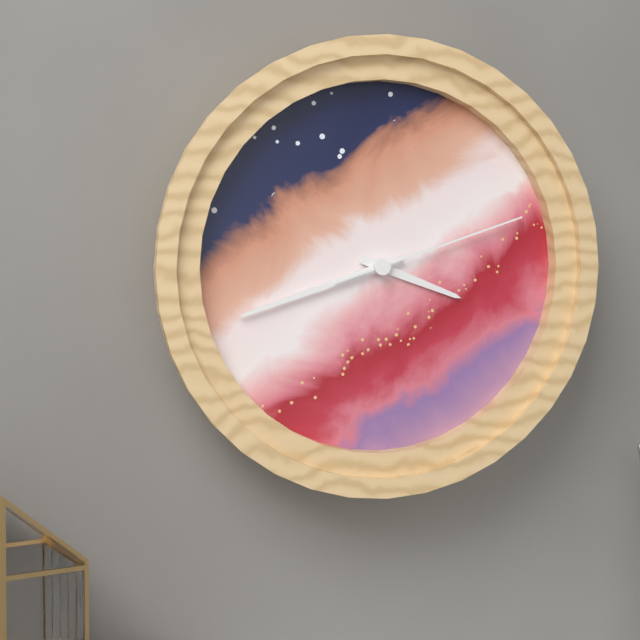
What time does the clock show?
3:42:12
